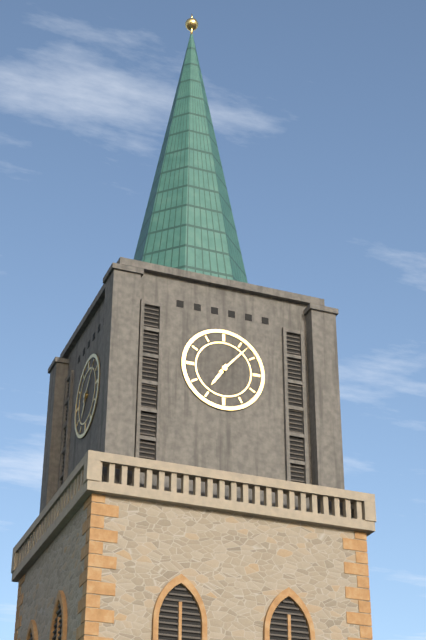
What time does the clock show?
7:07
